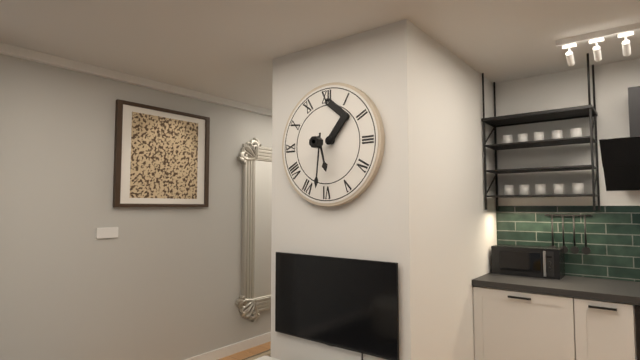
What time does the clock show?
5:31
